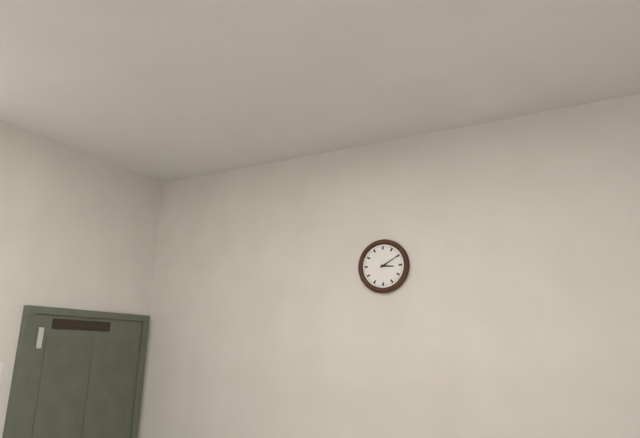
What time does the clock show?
3:10
